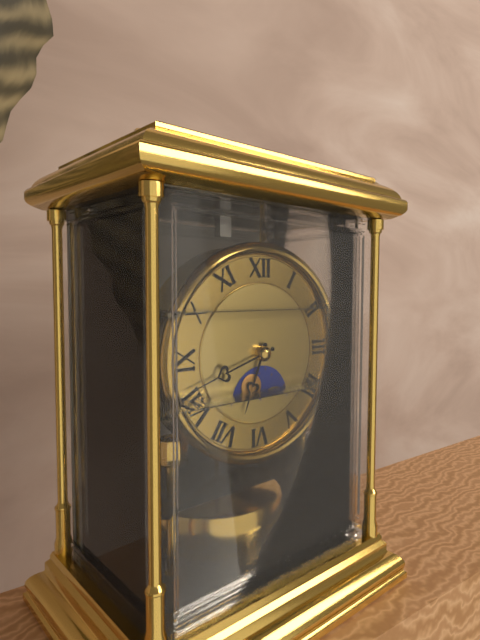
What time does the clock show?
6:42
